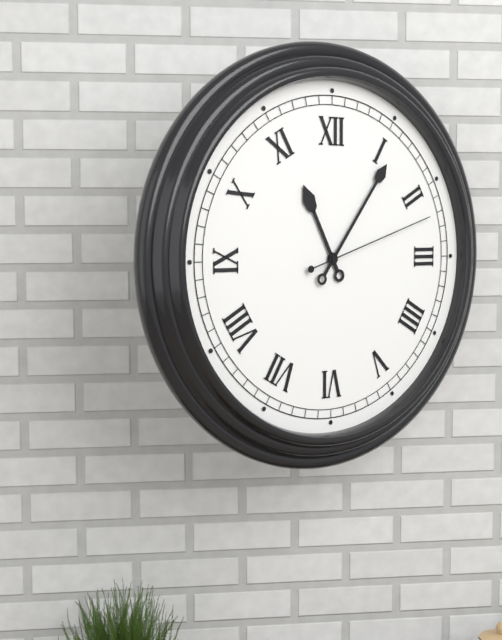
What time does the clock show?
11:06:12
